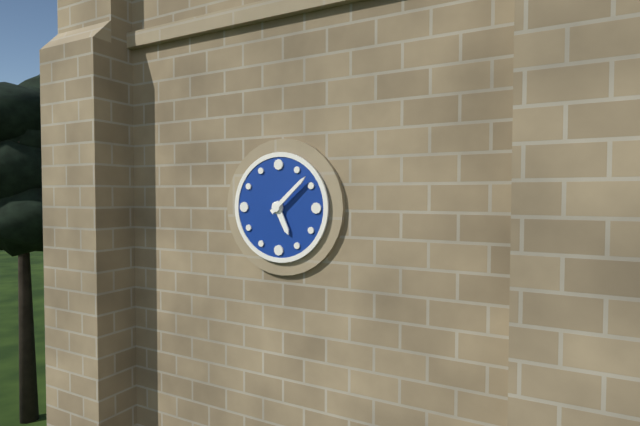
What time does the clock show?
5:08
